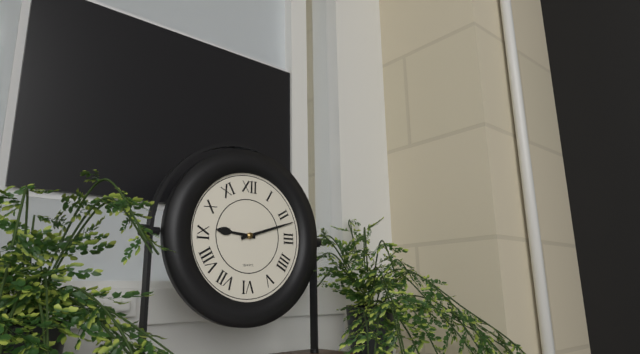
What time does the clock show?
9:12
